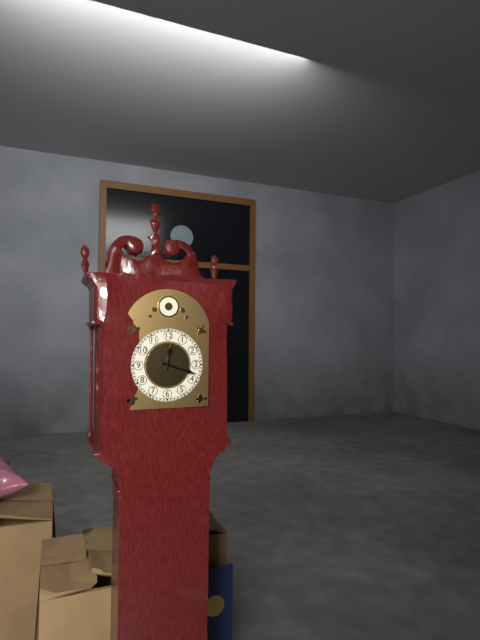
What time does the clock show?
12:18
